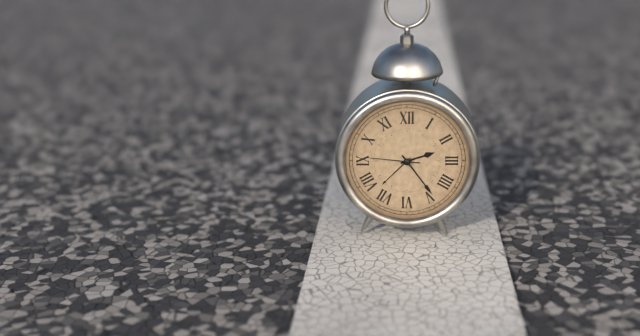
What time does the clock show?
2:24
